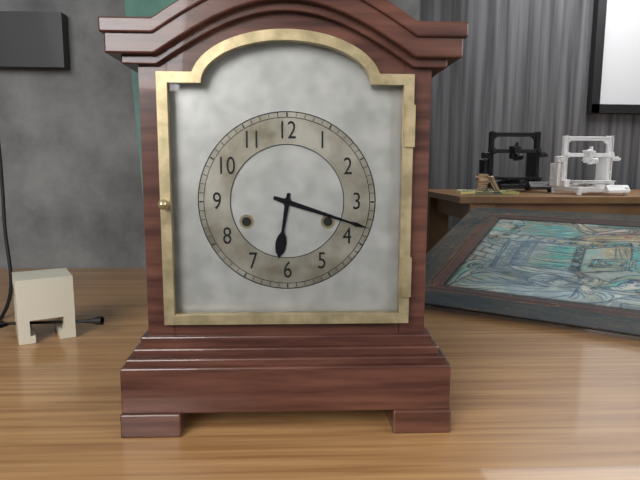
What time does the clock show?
6:18
